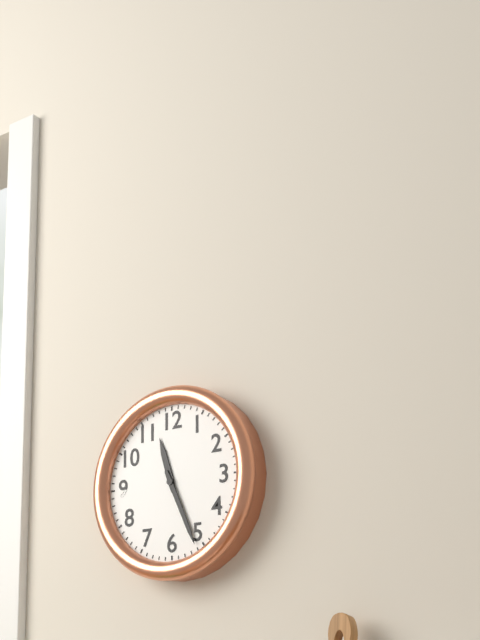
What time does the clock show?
11:26
